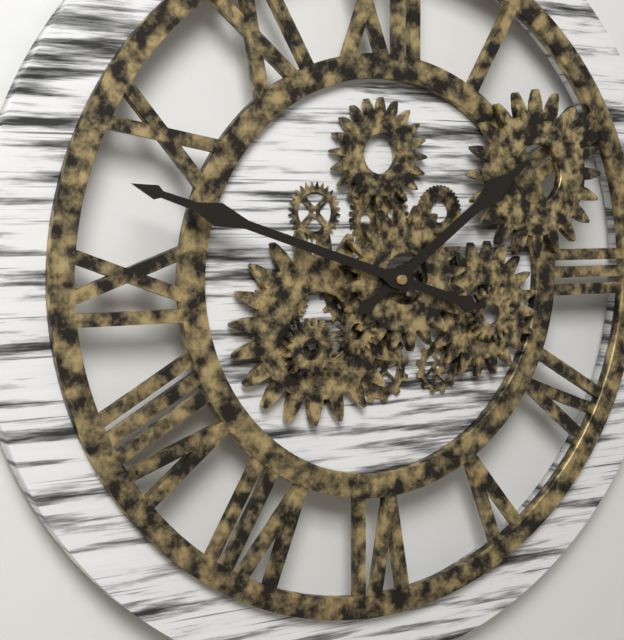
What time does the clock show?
1:48
